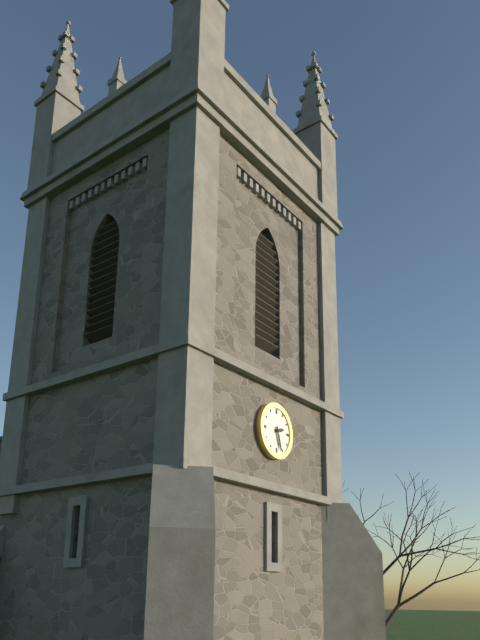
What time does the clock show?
2:27
